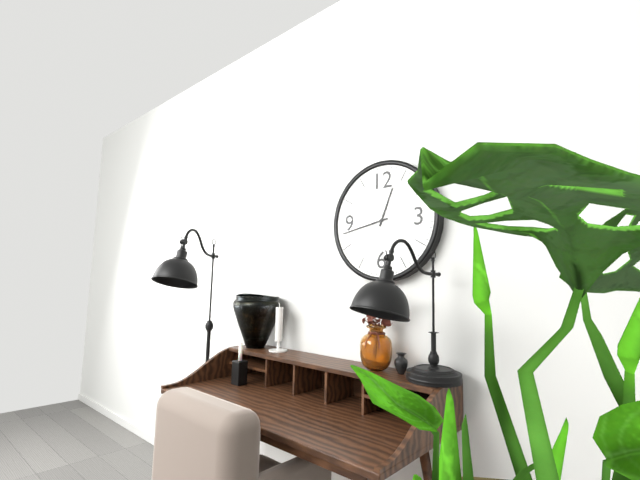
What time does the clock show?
12:43
